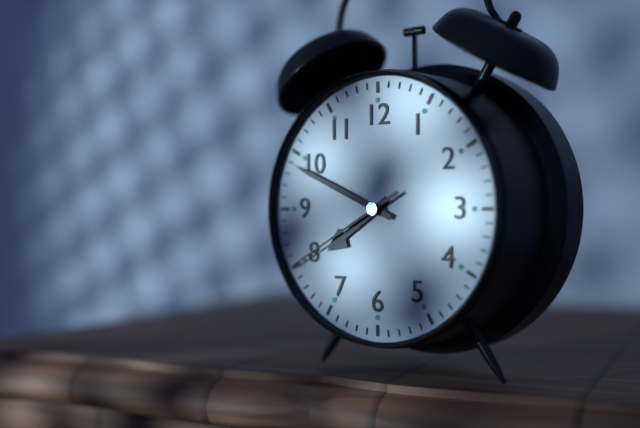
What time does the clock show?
7:49:40
